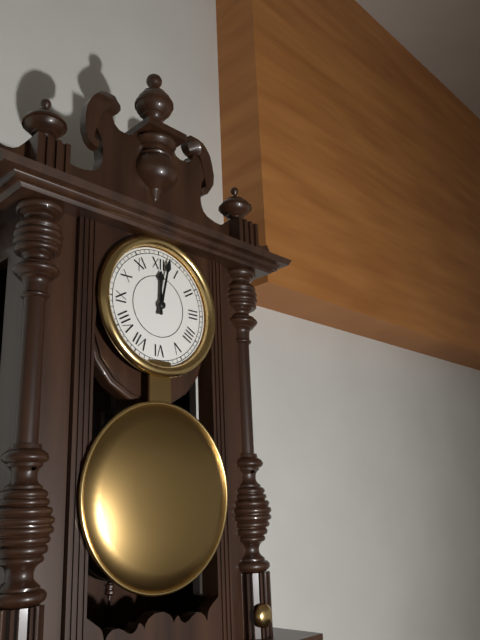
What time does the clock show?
12:02
